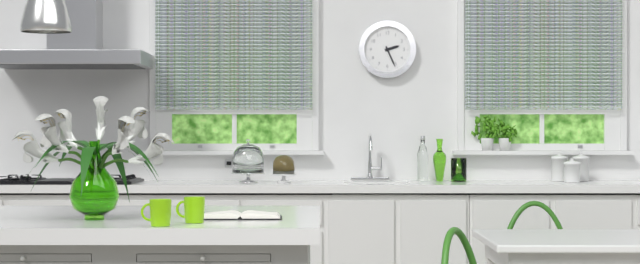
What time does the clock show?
2:26
